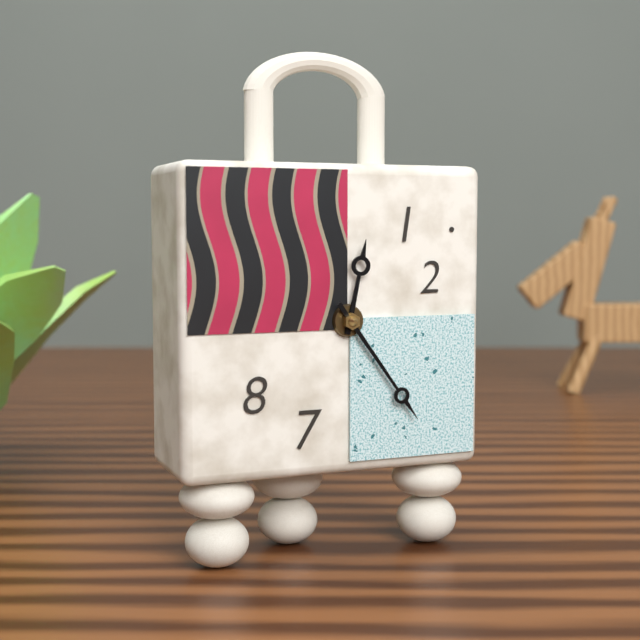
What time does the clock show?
12:24
